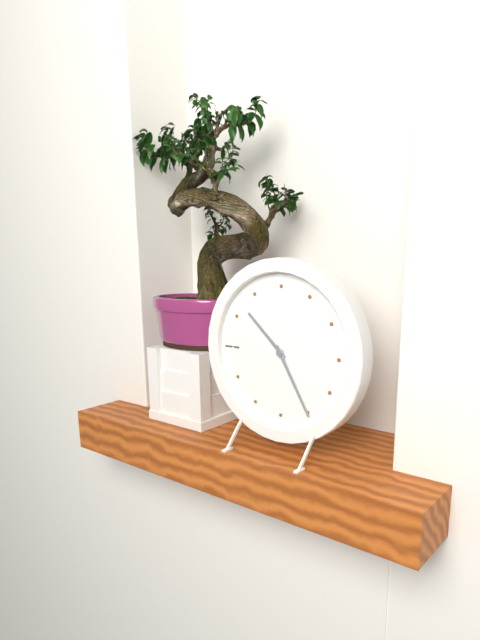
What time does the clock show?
10:25
